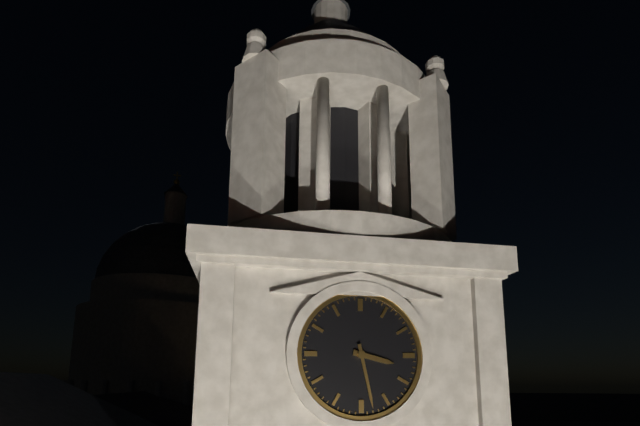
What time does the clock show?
3:28
